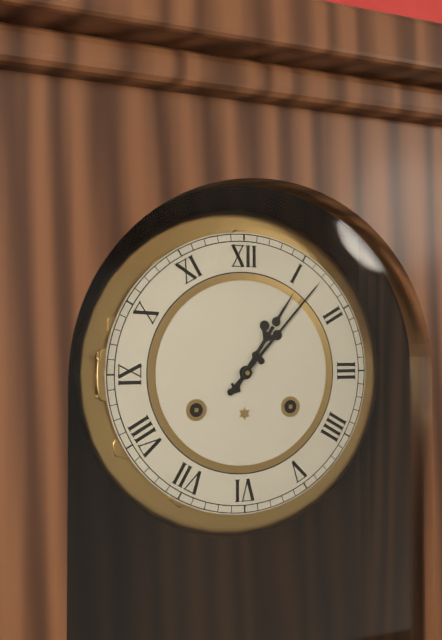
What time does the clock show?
1:07
